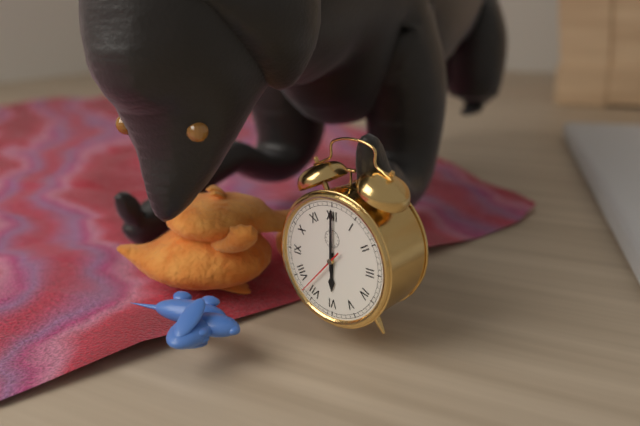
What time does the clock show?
6:00:37
